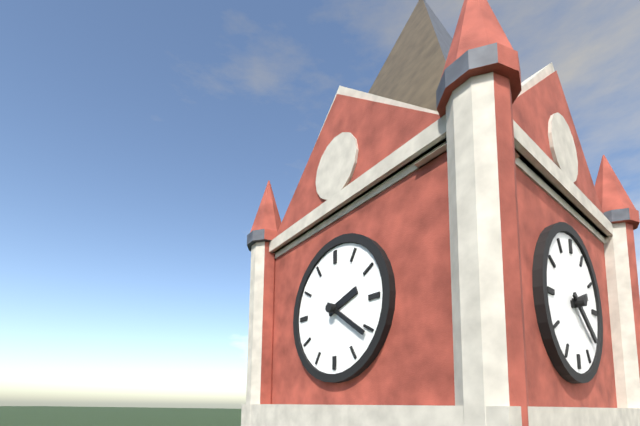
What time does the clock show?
2:21
